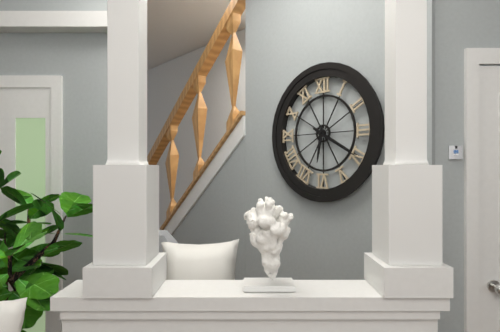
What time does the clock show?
6:20
